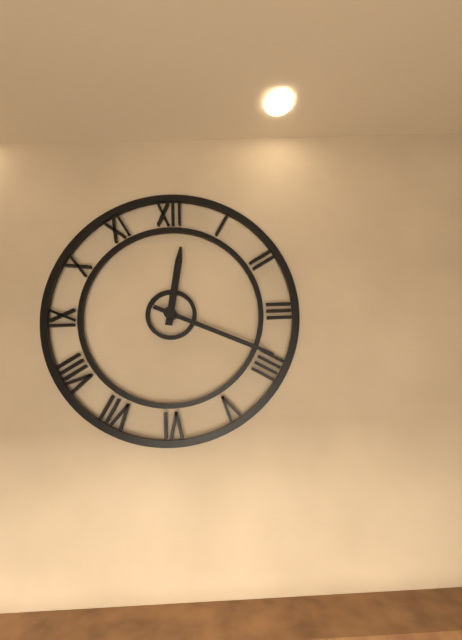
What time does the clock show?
12:19
